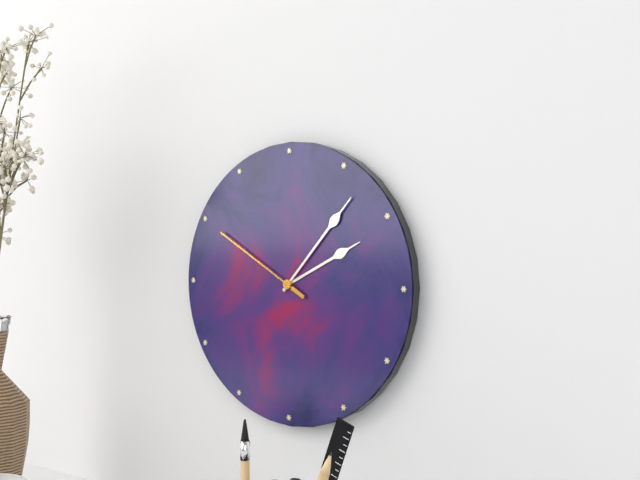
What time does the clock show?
2:07:50
